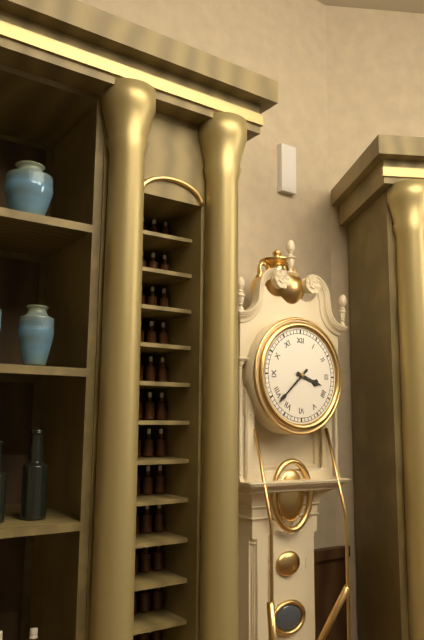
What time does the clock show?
3:38
